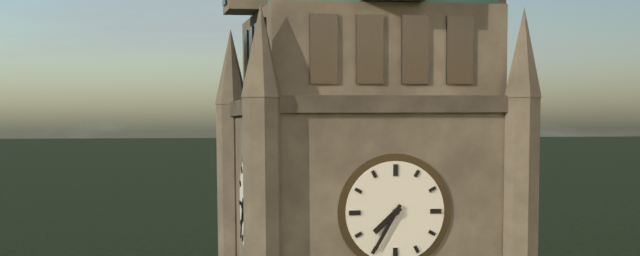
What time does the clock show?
7:35
